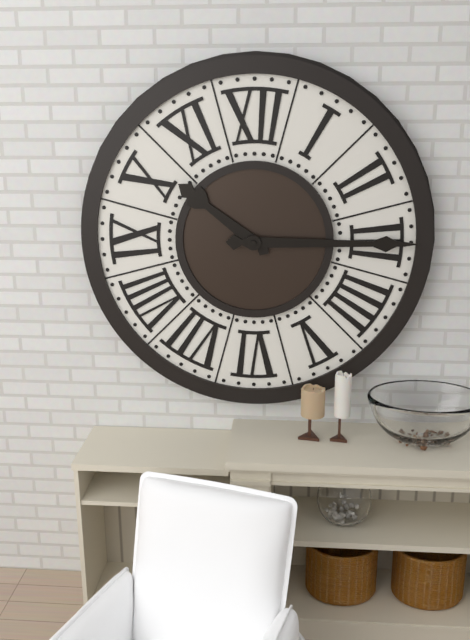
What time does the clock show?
10:15
